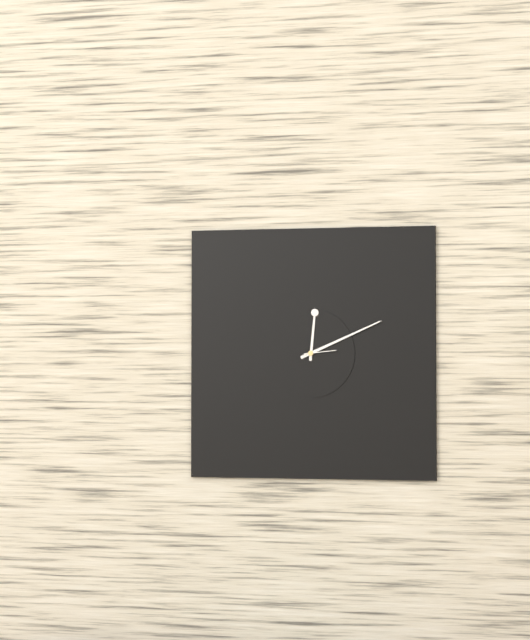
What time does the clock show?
12:11
